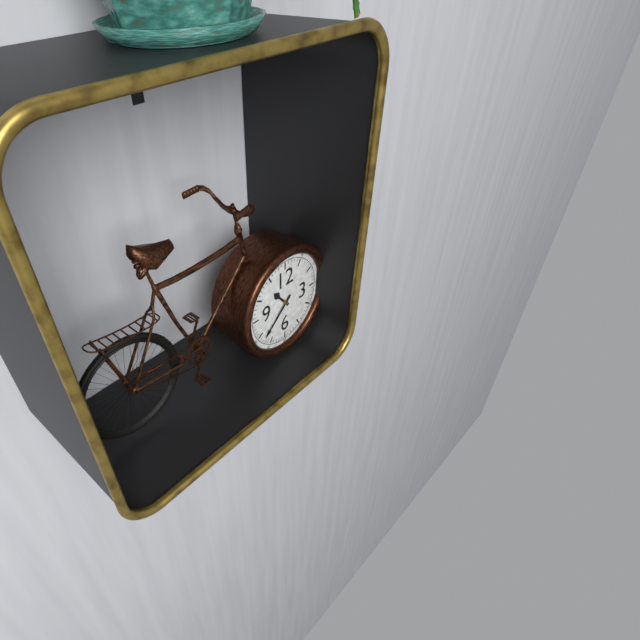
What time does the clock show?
10:38
